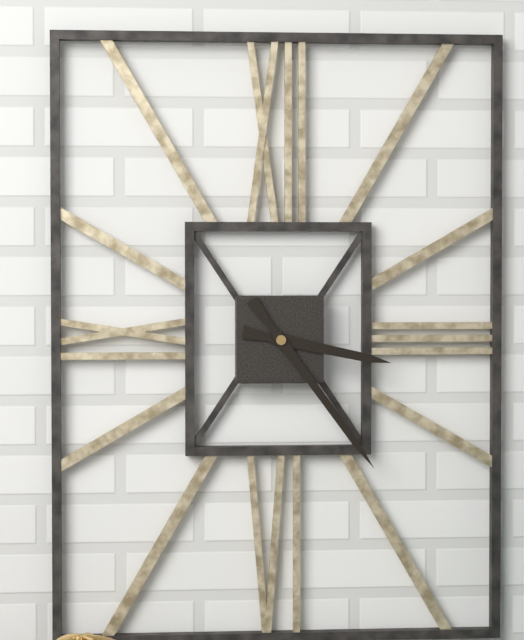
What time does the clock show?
3:24
